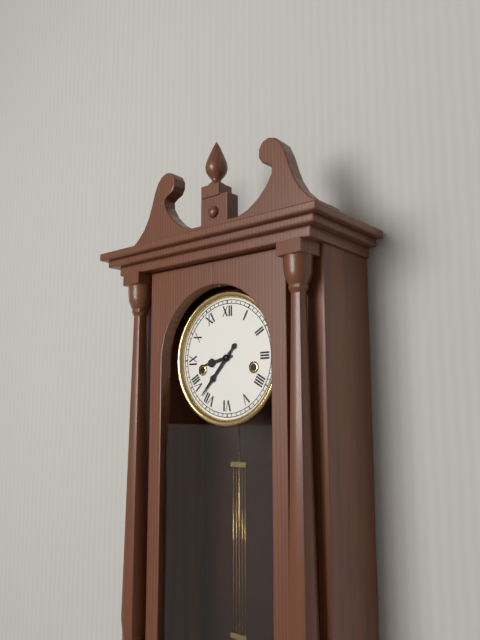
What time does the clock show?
8:37
